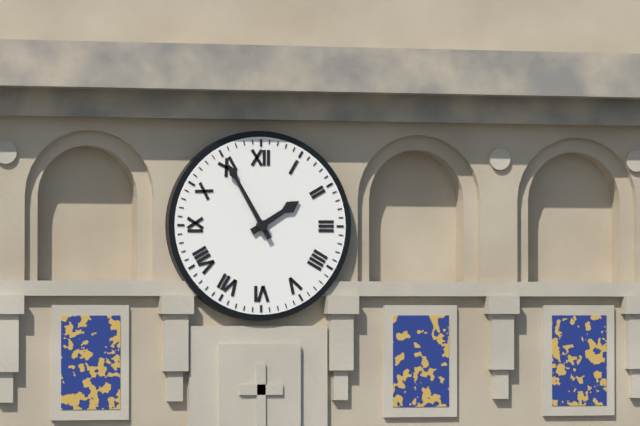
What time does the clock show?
1:55
